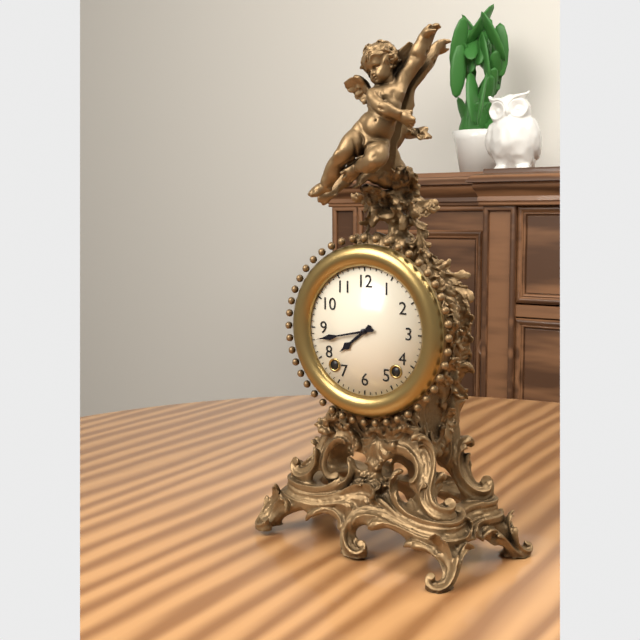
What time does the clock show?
7:43
